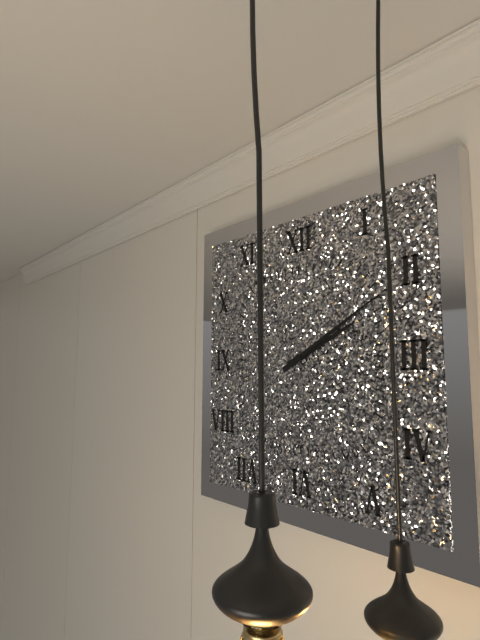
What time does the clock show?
2:10
